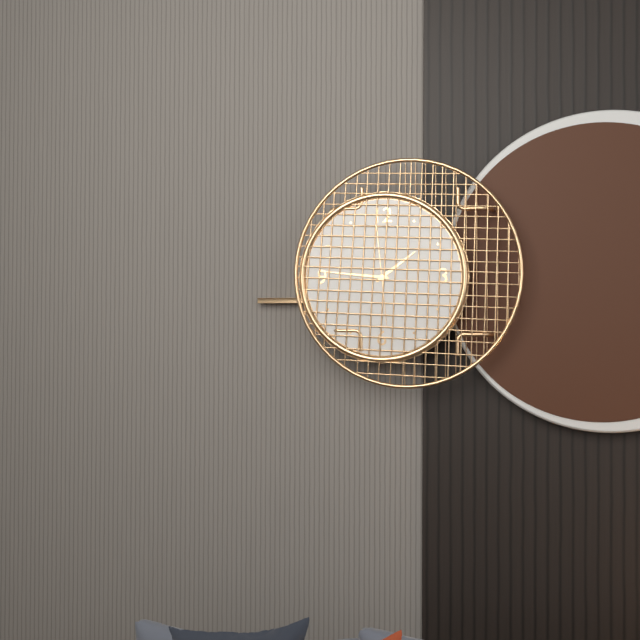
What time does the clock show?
1:46:59
